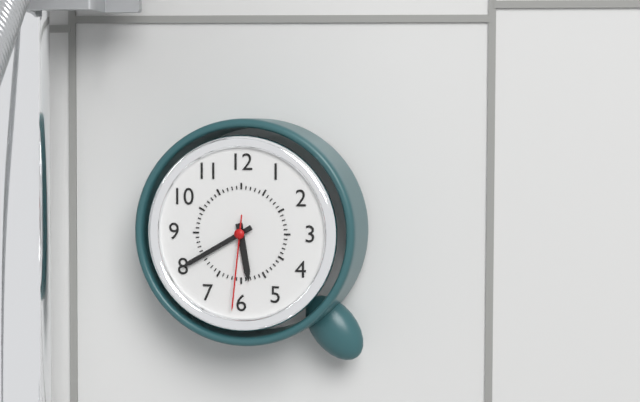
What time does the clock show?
5:40:31
